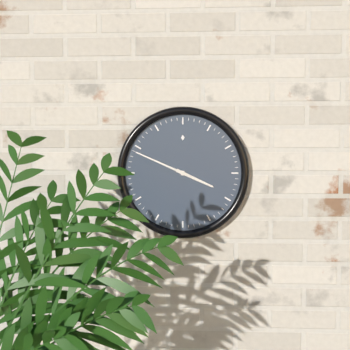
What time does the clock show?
3:49
